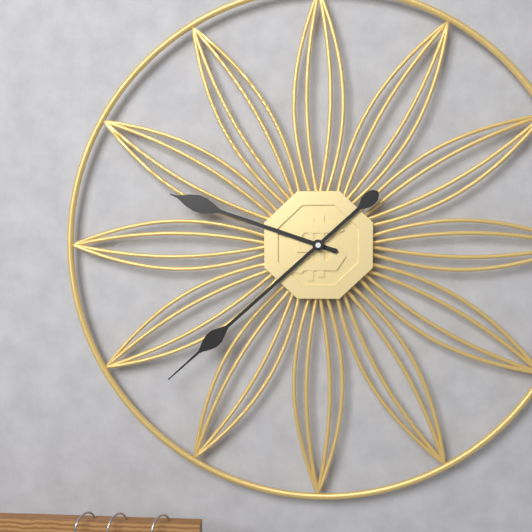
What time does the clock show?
9:38
